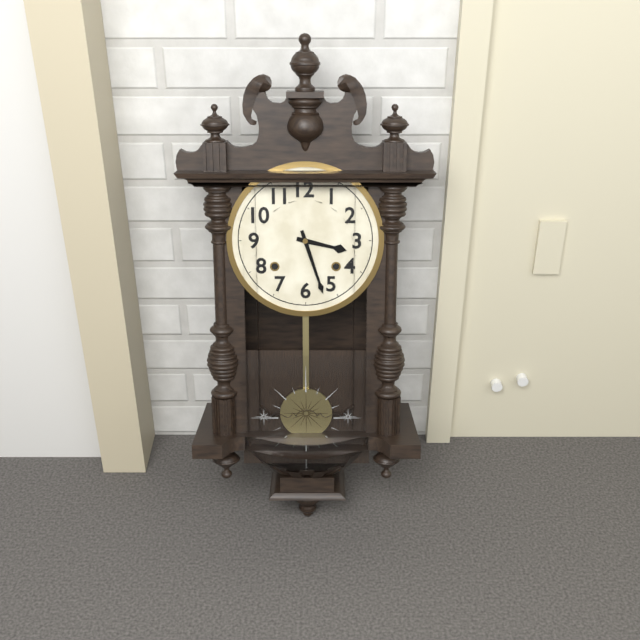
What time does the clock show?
3:27
